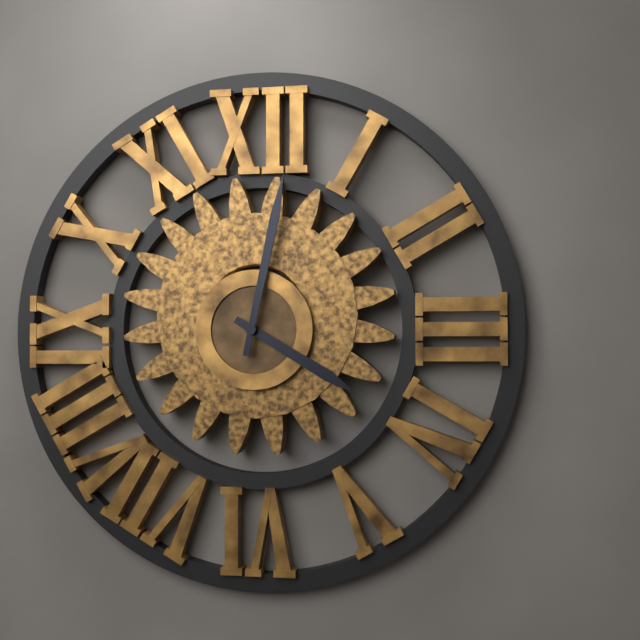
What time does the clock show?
4:02
